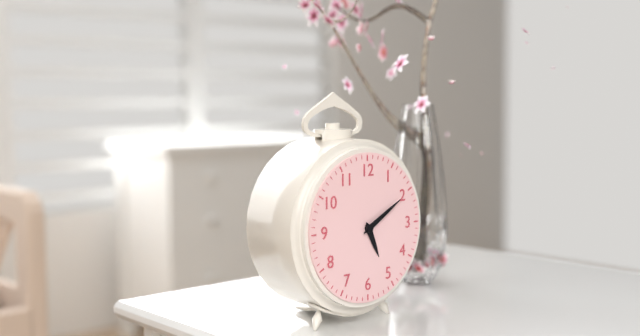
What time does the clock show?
5:10
